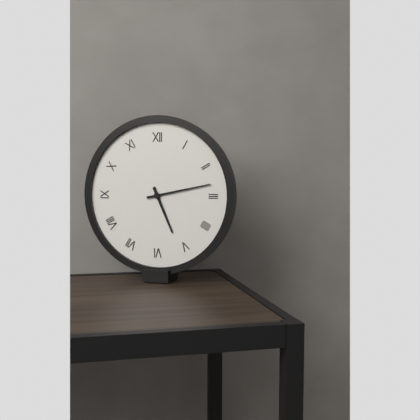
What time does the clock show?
5:13
